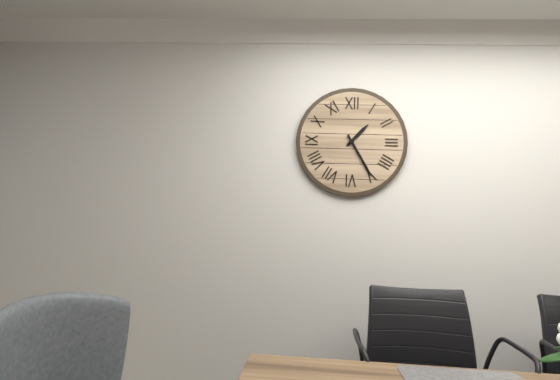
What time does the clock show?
1:25
